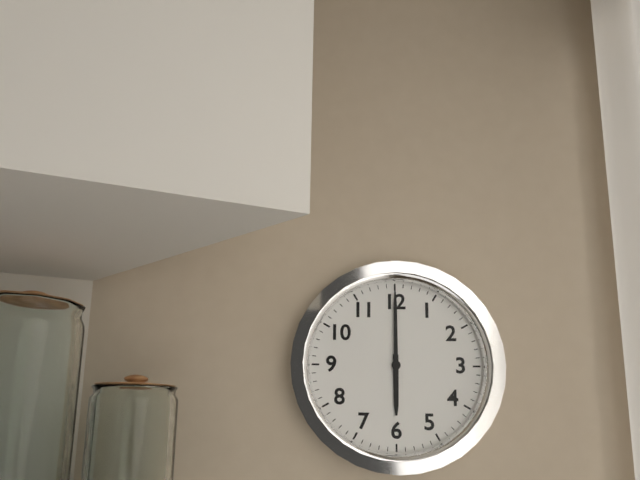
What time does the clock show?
6:00
